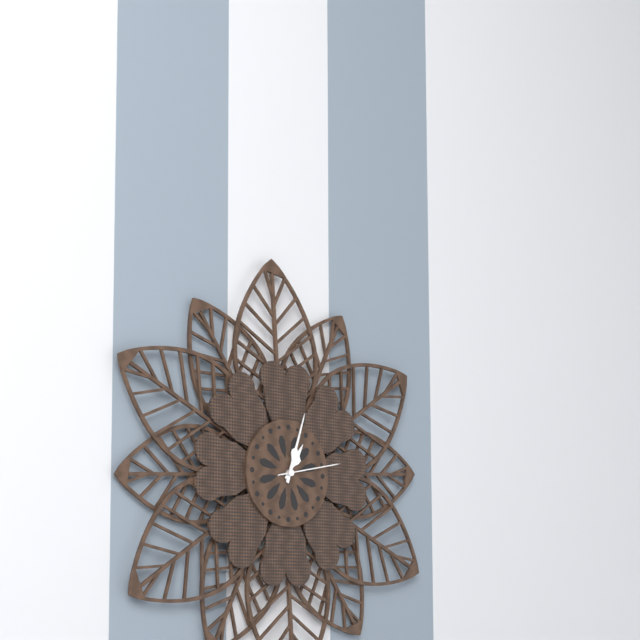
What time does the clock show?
1:03:13
